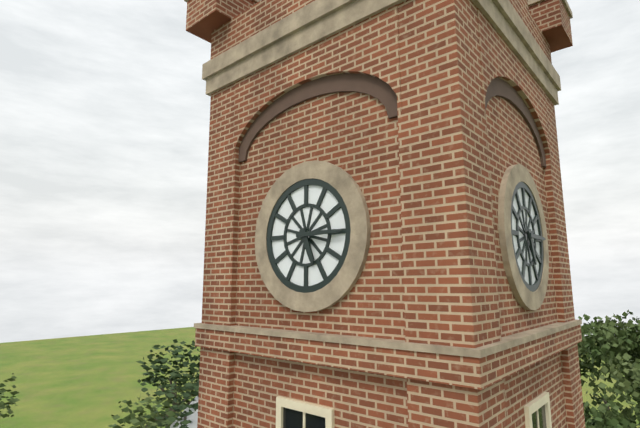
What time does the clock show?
5:15
